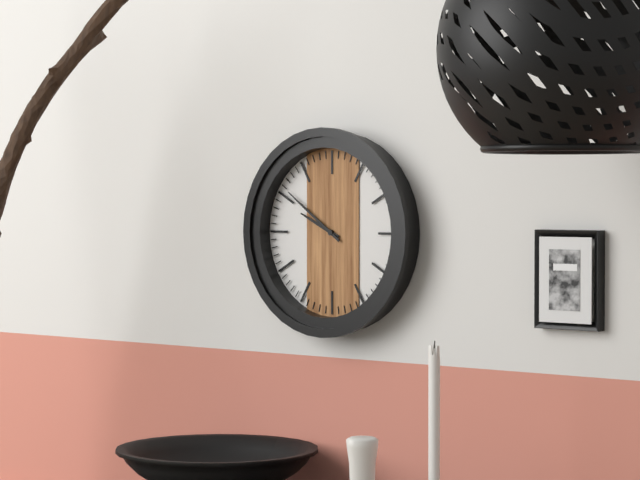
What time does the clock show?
9:51
